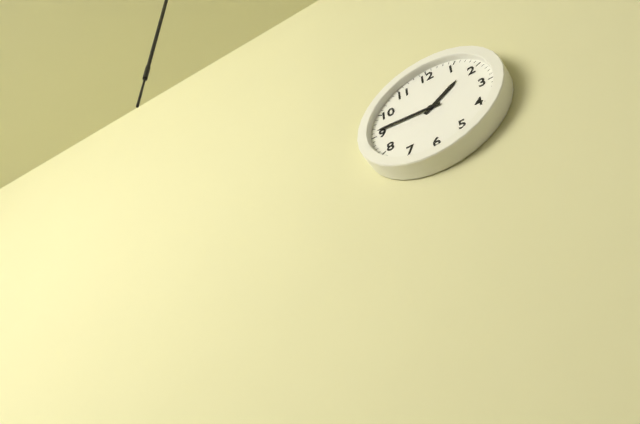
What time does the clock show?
1:46
